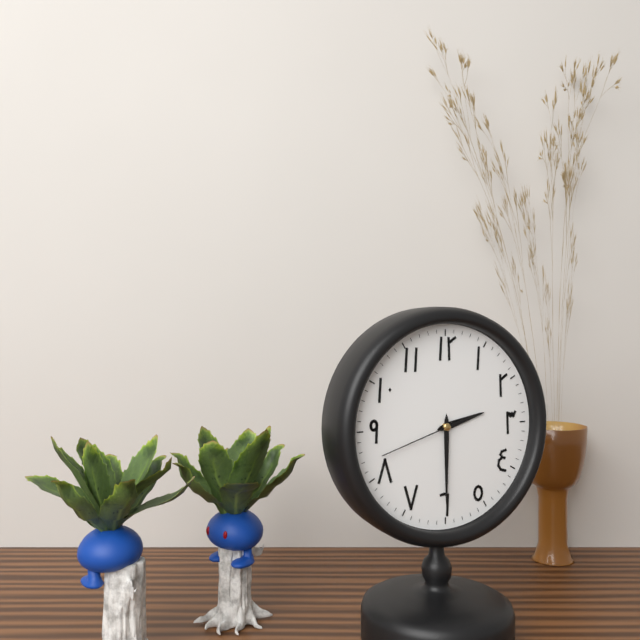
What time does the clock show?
2:30:42
